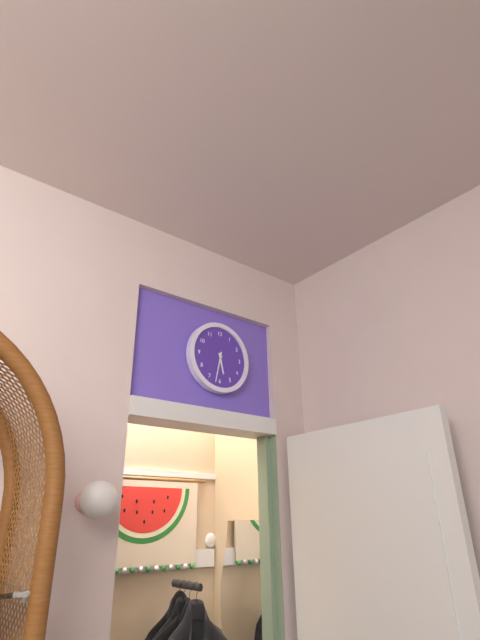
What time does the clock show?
5:32
